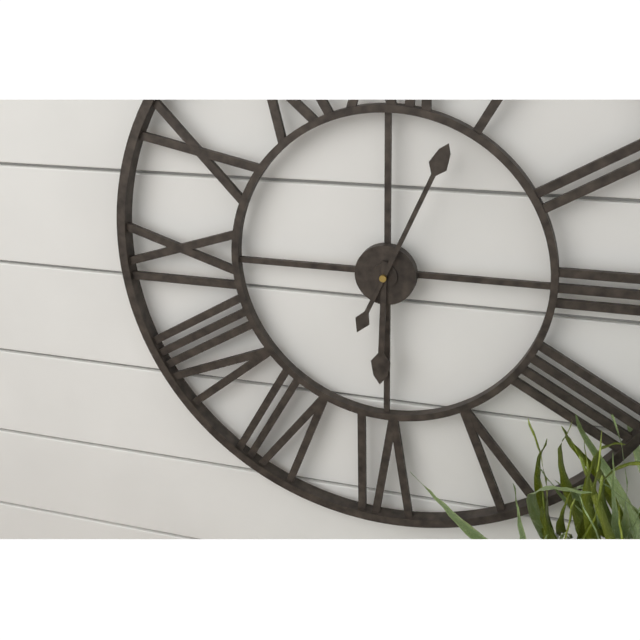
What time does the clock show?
6:04
